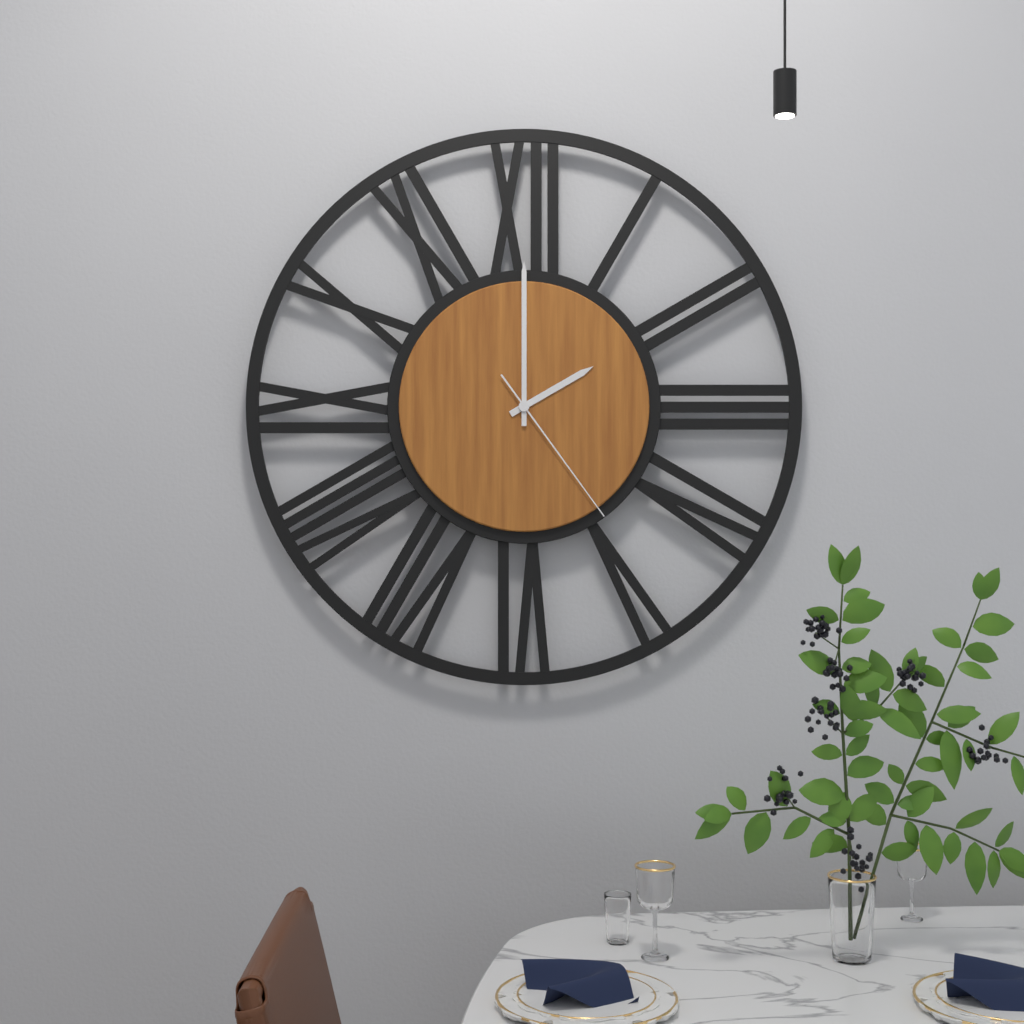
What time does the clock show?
2:00:24
